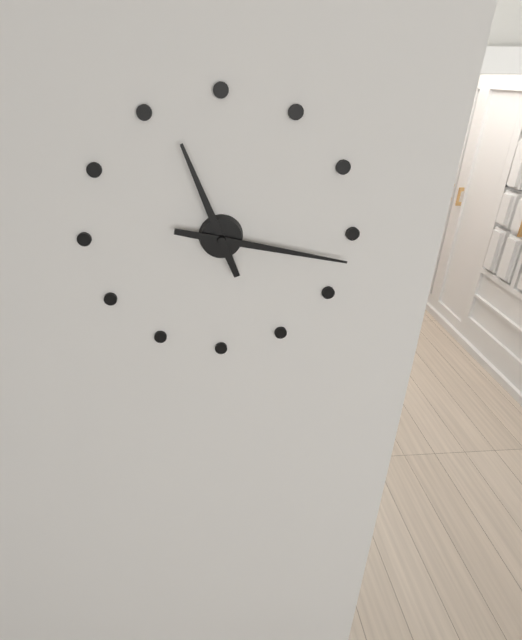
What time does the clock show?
11:17
